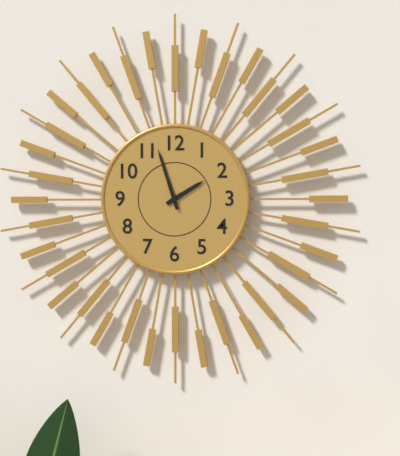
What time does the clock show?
1:57
